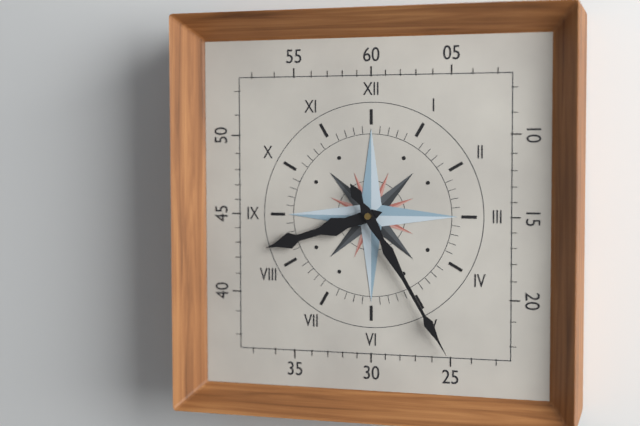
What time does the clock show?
8:25
